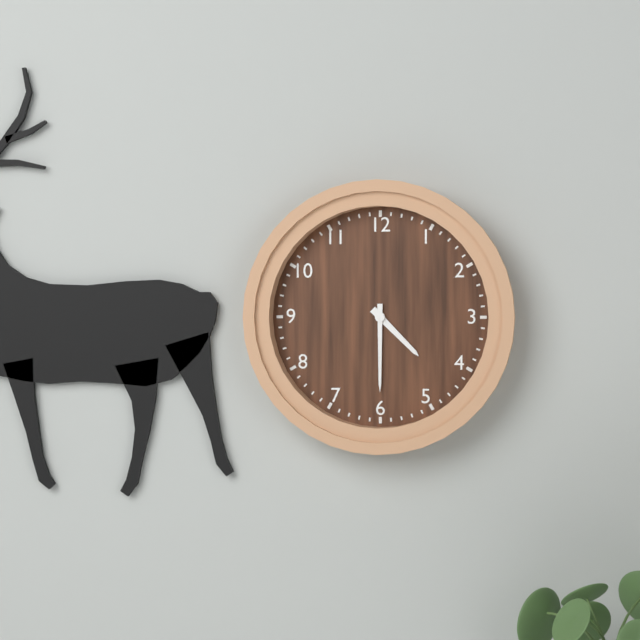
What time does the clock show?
4:30
